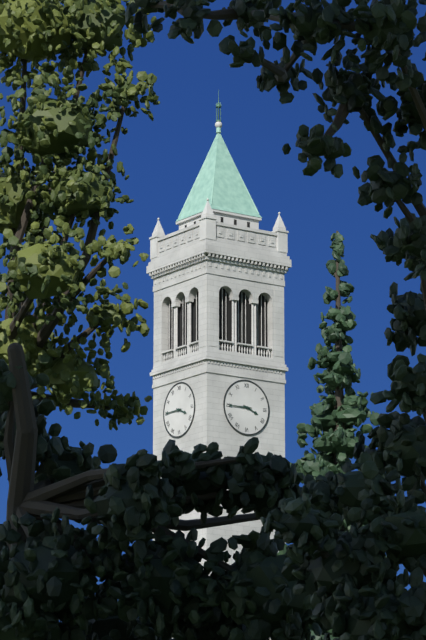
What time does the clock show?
3:45
